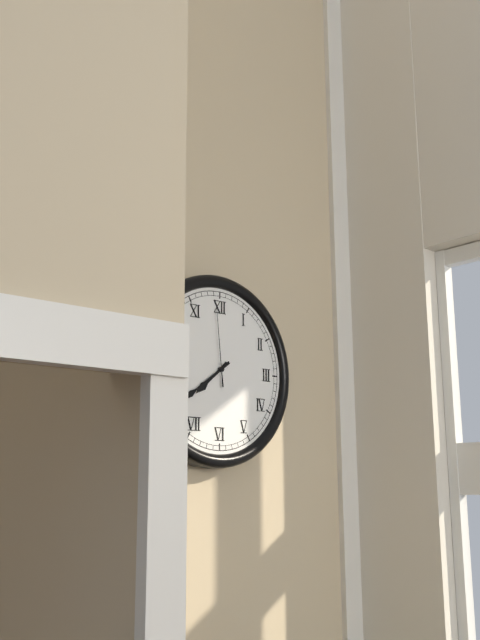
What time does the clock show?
7:39:59
